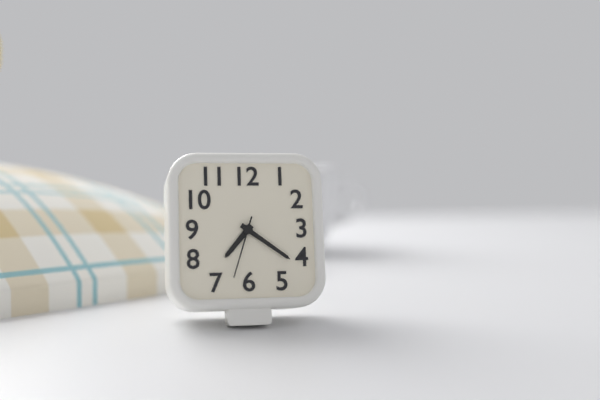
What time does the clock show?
7:21:33
